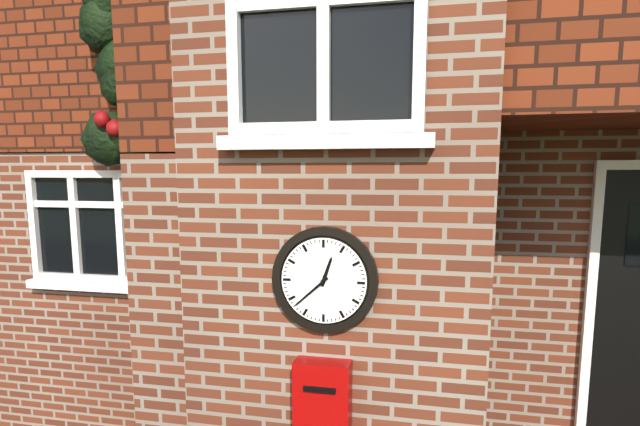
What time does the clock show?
12:38
